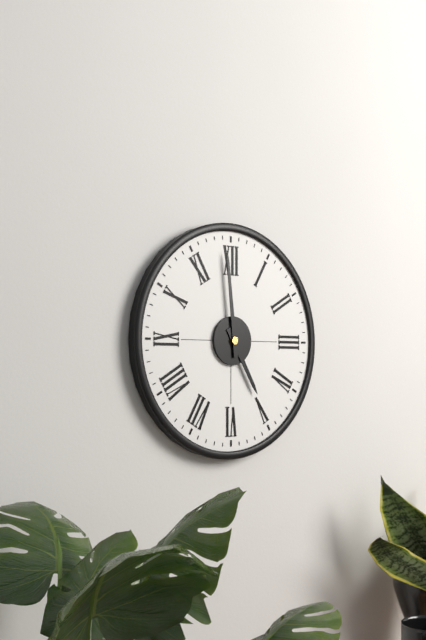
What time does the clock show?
4:59
